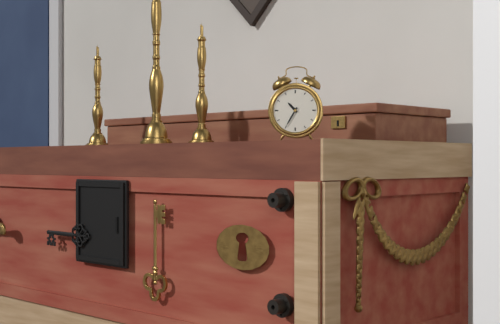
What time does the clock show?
10:35
